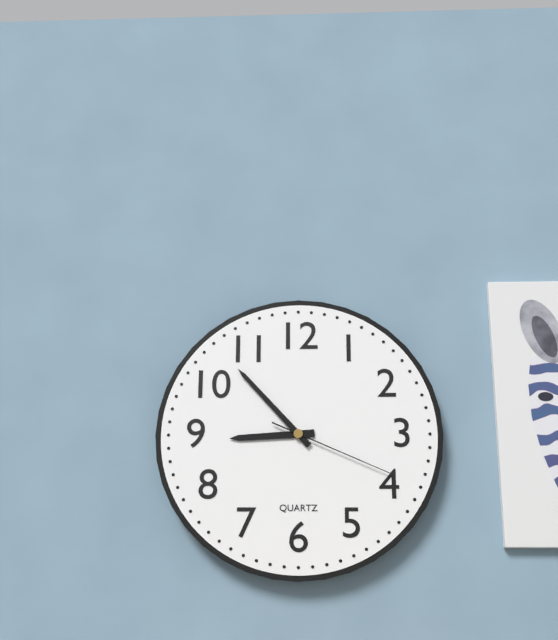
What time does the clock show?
8:53:19
